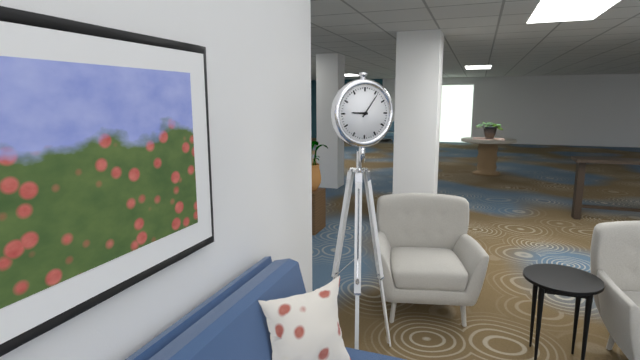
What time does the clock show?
9:06
